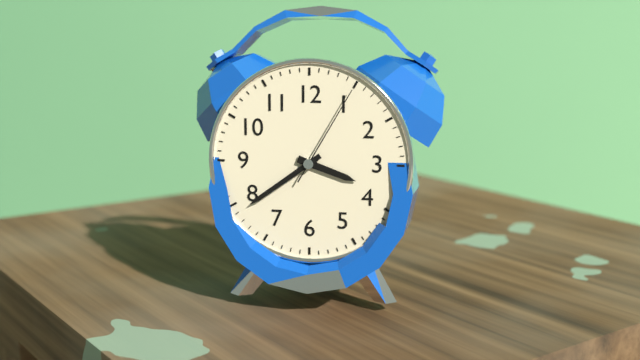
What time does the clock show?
3:39:05
